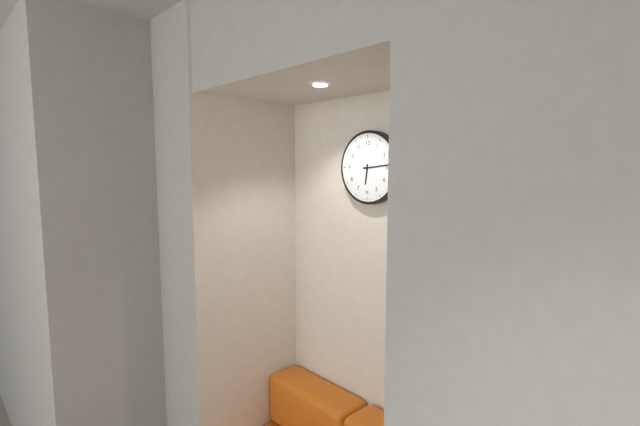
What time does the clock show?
6:14
